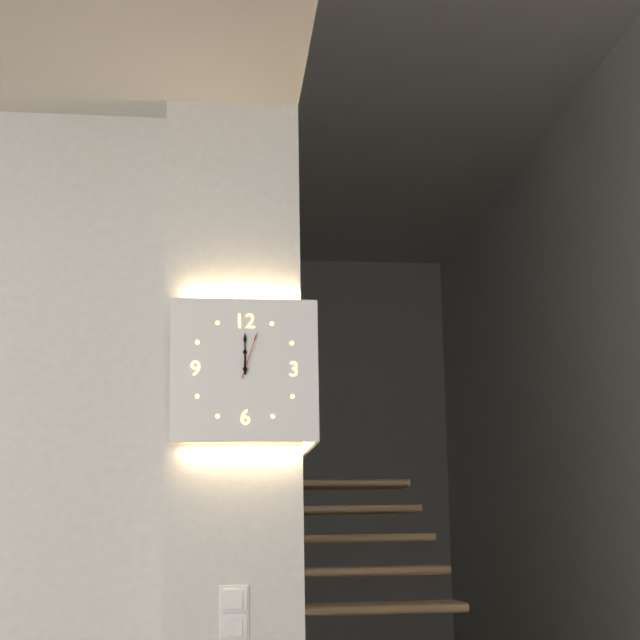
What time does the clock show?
12:00:03
